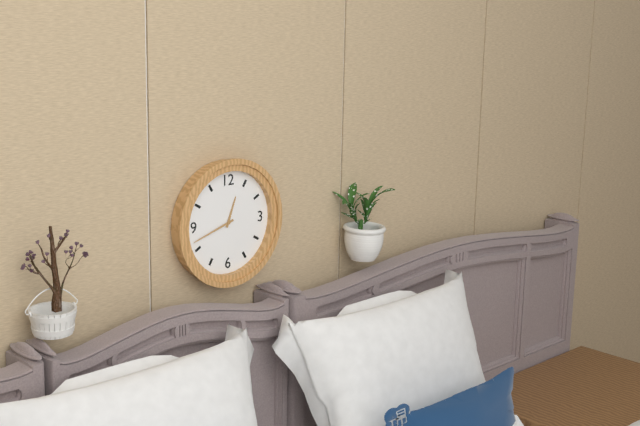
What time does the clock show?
12:42
